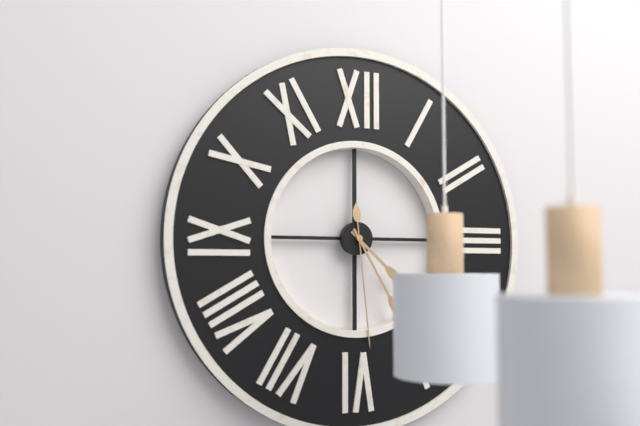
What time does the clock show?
4:25:29
